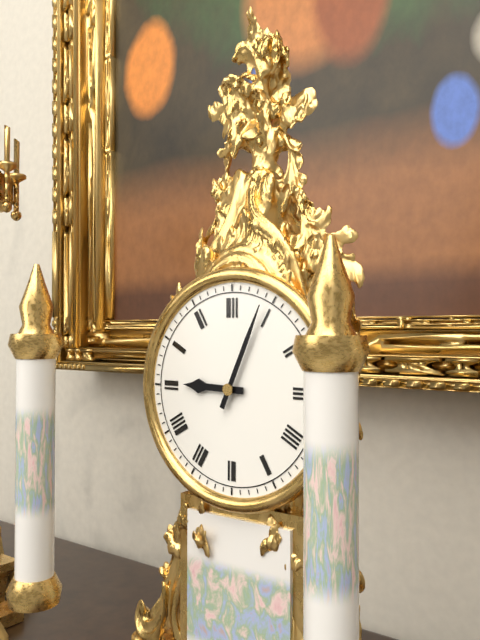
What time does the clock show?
9:04
